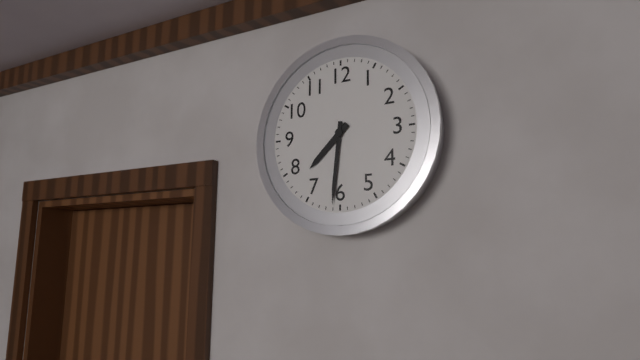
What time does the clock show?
7:31
